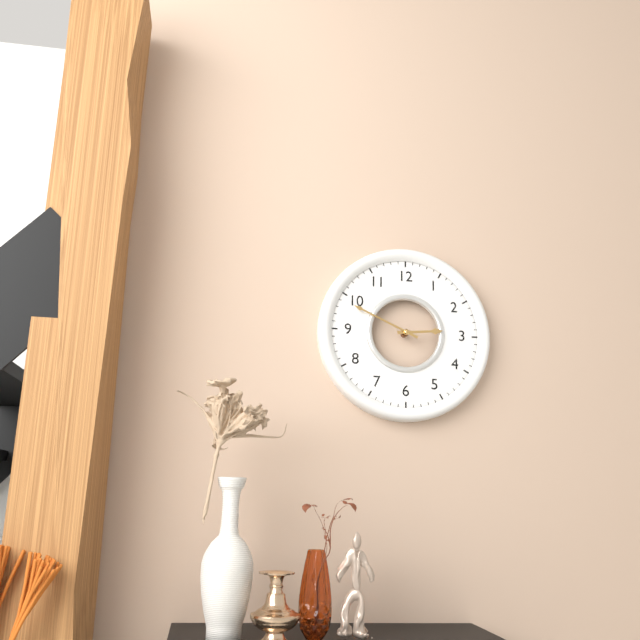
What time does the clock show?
2:49
